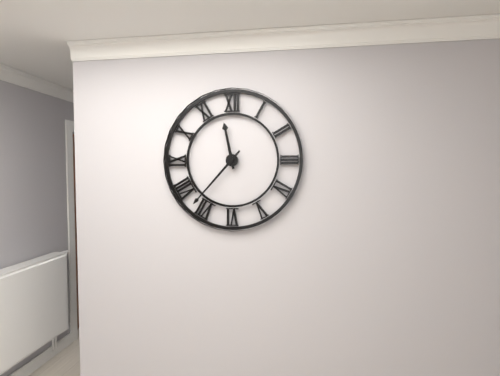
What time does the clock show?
11:37
